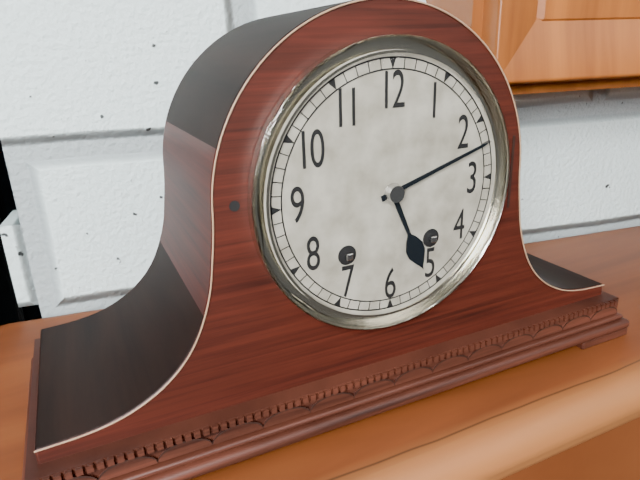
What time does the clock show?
5:12
